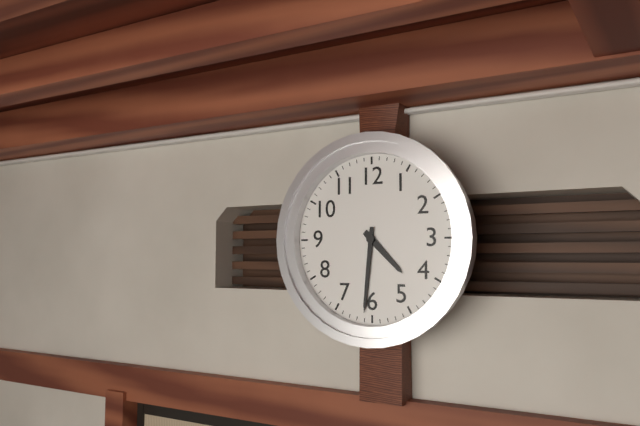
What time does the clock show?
4:31
